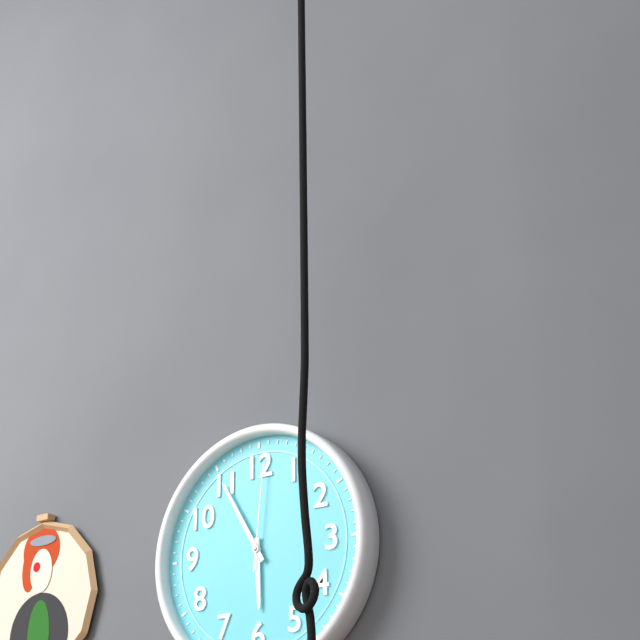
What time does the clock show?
5:55:01
